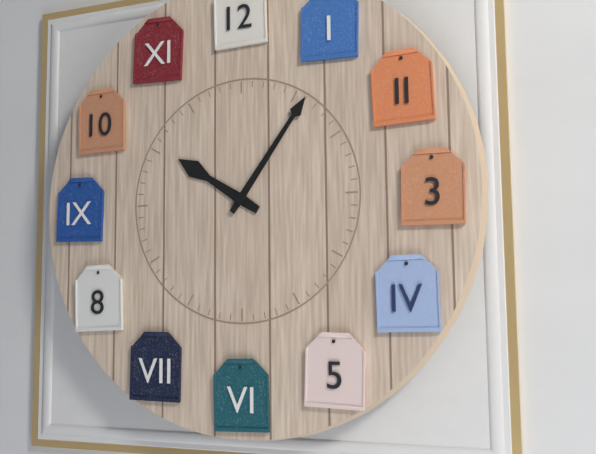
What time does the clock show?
10:06
